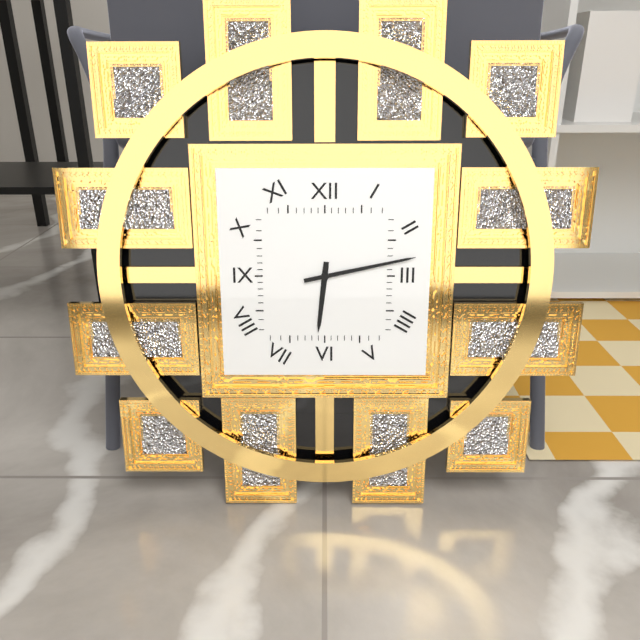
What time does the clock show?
6:13
